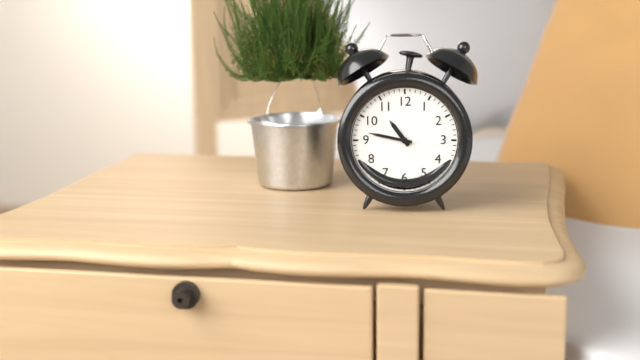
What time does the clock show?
10:47
